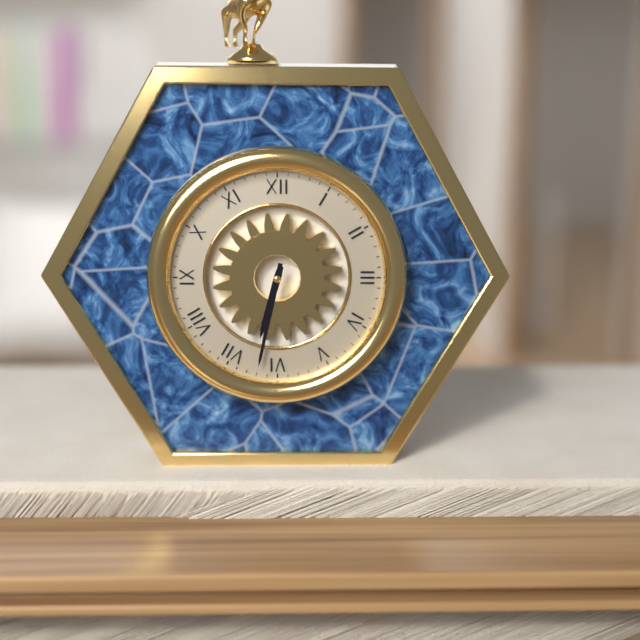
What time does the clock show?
6:32
